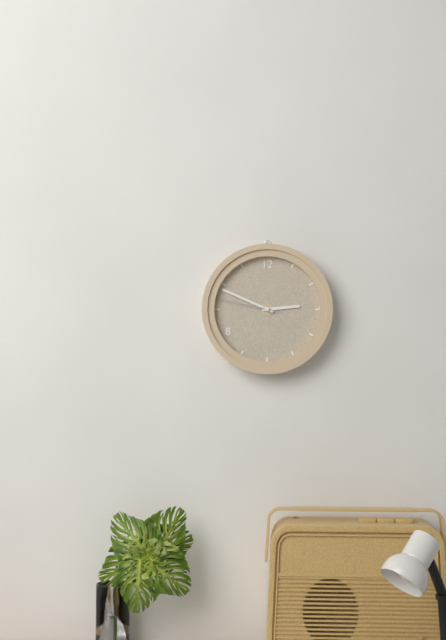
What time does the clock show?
2:49:47
